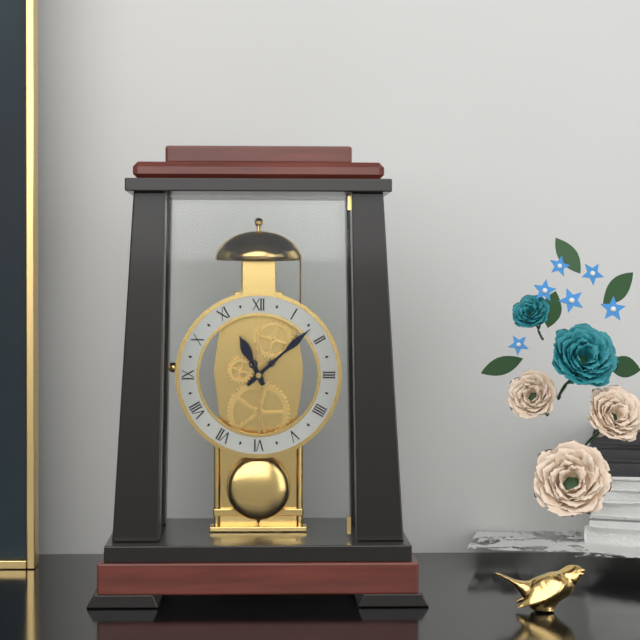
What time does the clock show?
11:08
